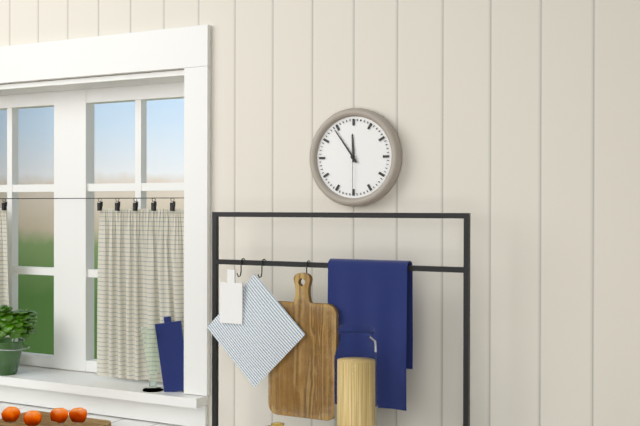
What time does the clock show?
11:54
